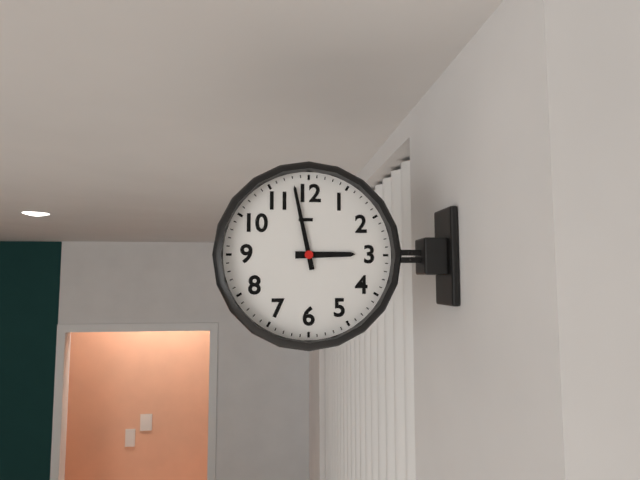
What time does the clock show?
2:58
